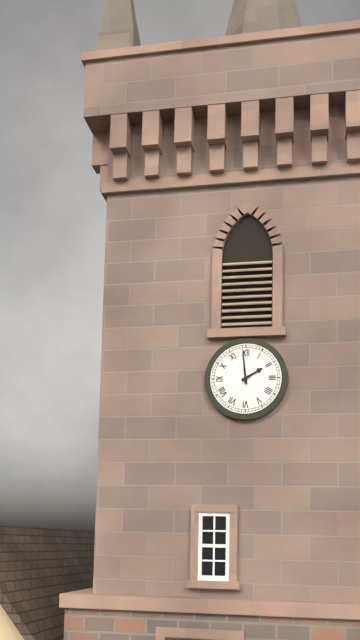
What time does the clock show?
1:59
